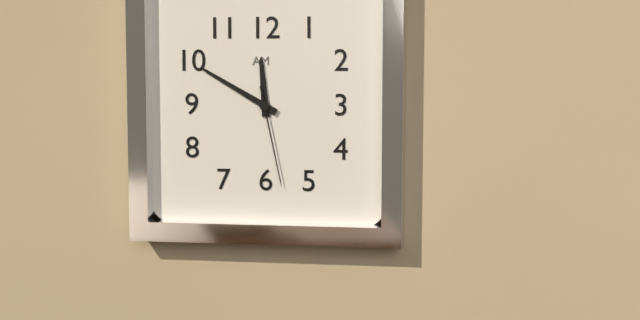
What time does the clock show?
11:50:28
